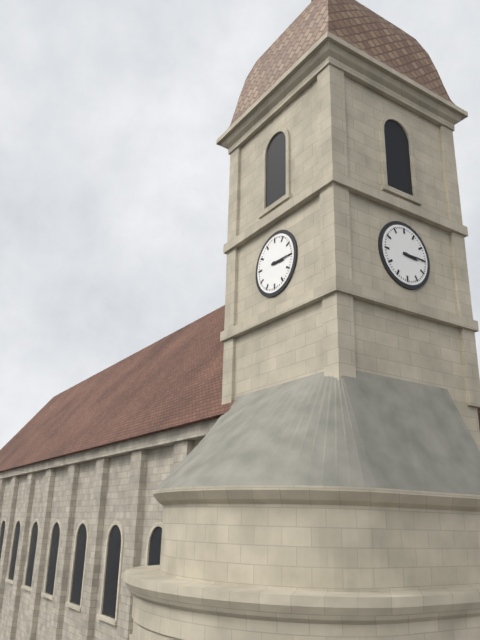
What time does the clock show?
3:15
